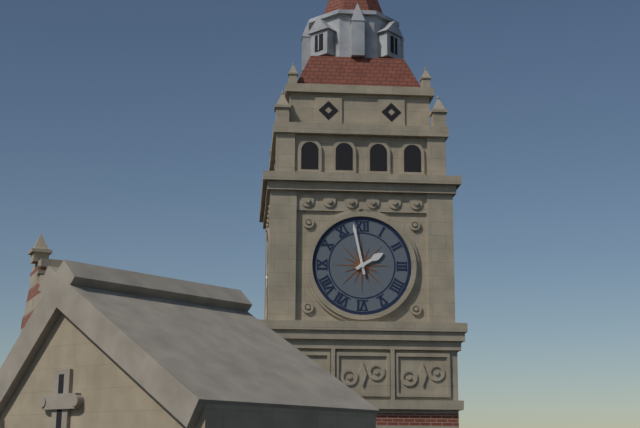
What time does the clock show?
1:58
